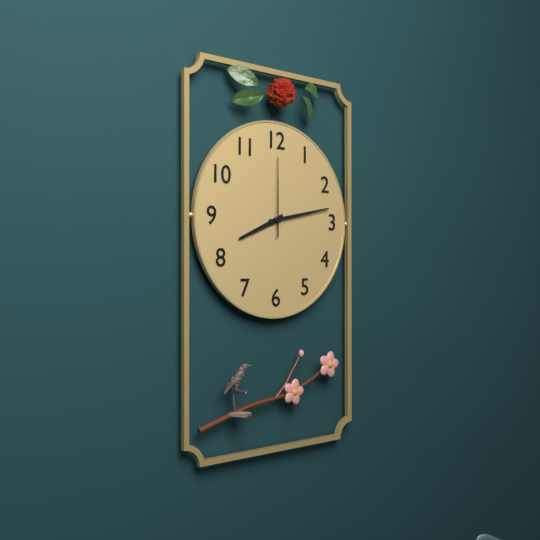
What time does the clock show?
8:13:00
